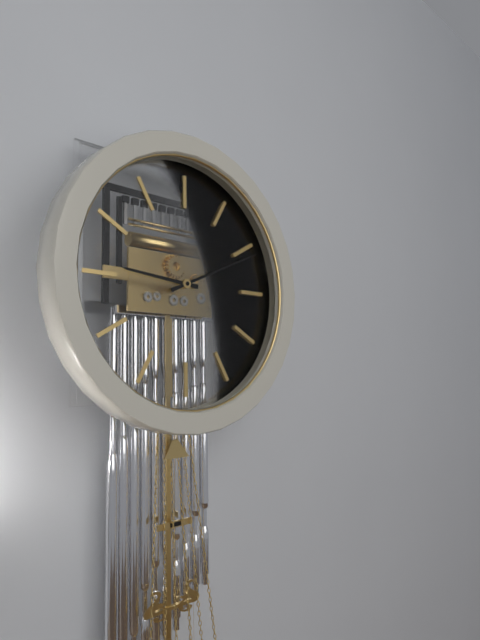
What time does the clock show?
9:11
